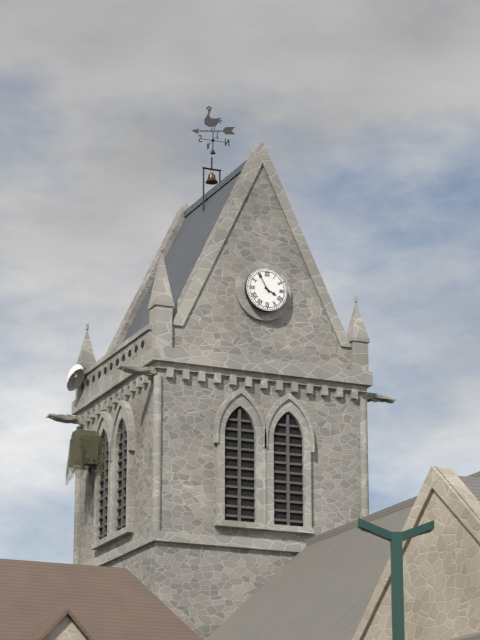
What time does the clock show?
3:55
